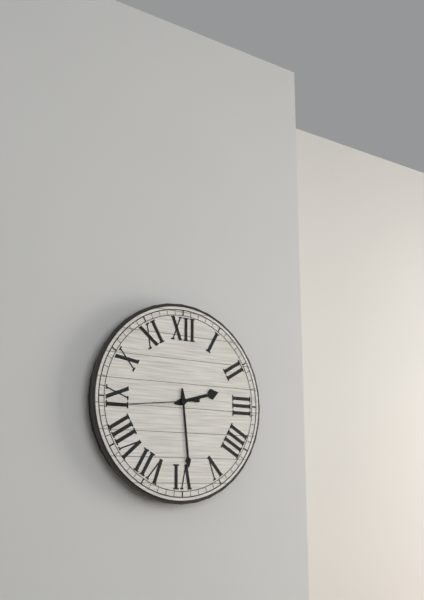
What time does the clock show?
2:29:44
